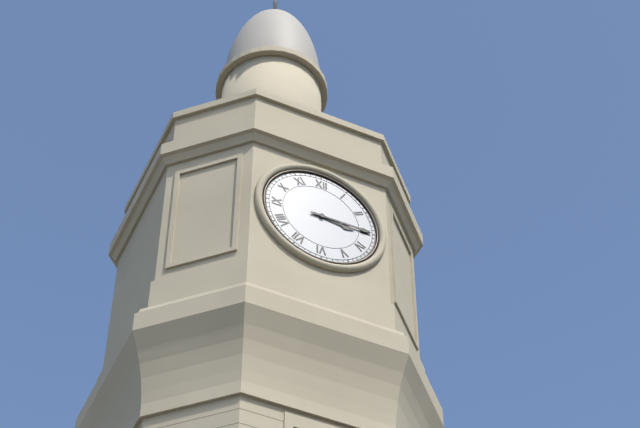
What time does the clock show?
3:15
